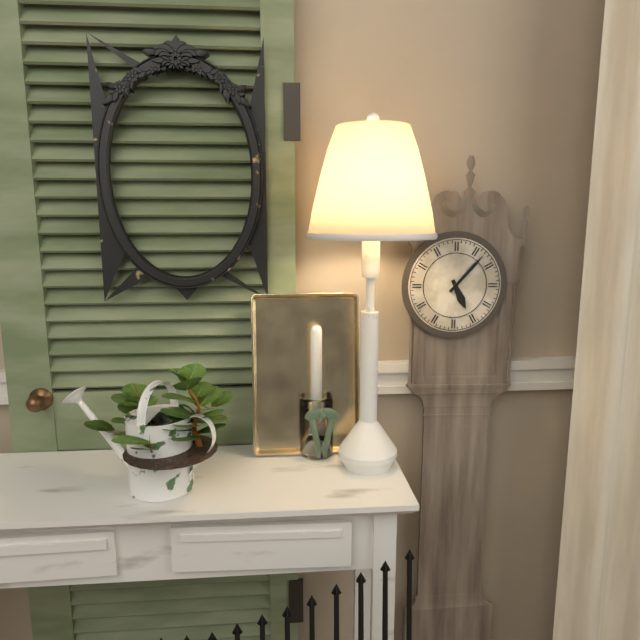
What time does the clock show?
5:07
